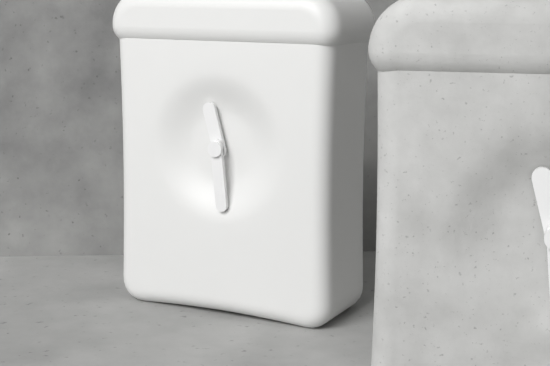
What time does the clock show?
11:29
